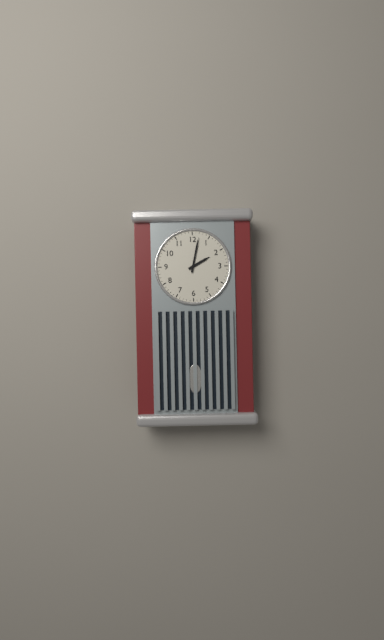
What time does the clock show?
2:02
